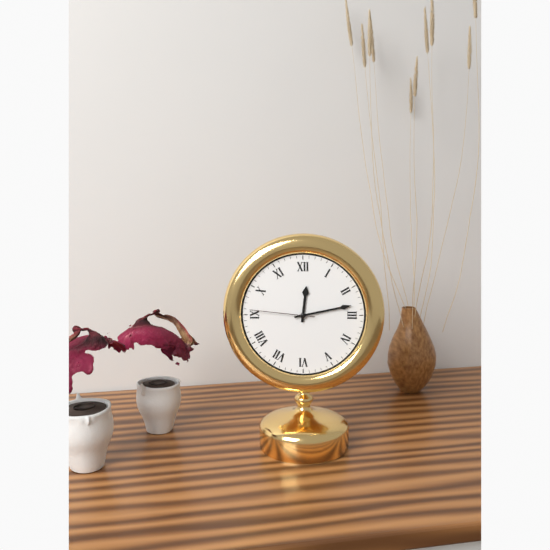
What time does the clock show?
12:13:46
